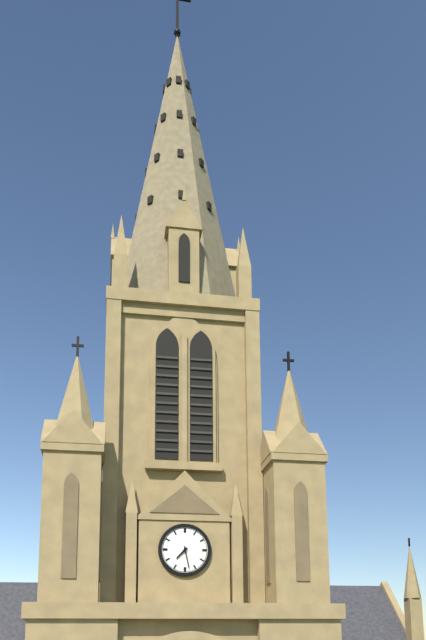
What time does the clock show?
7:28
